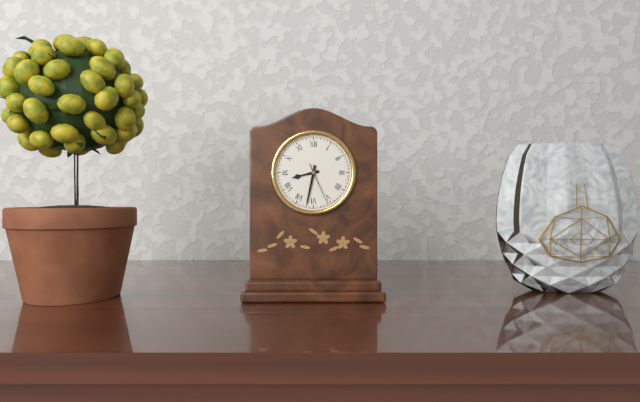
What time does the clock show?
8:32
